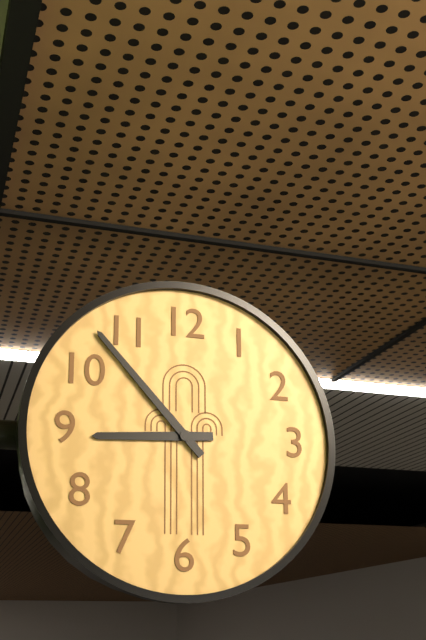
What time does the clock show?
8:53
